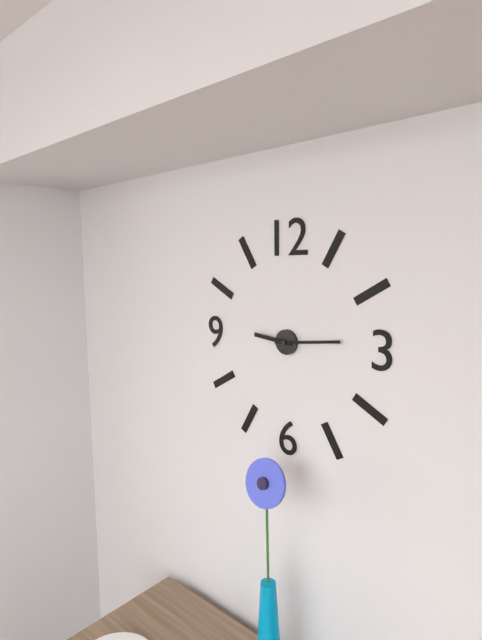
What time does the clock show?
9:14
